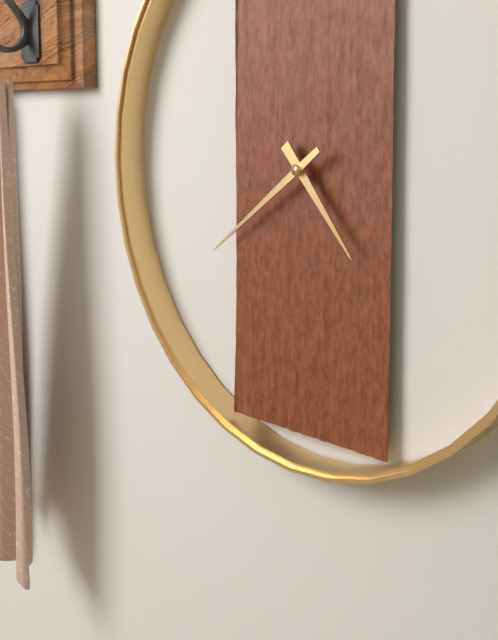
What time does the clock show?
4:39
